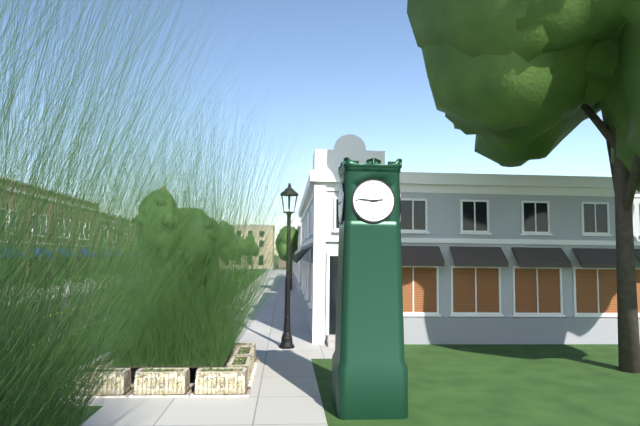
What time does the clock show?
2:46
